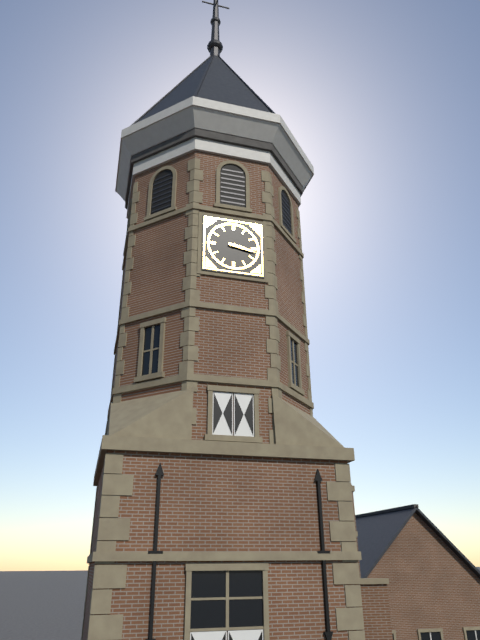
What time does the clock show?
3:17
